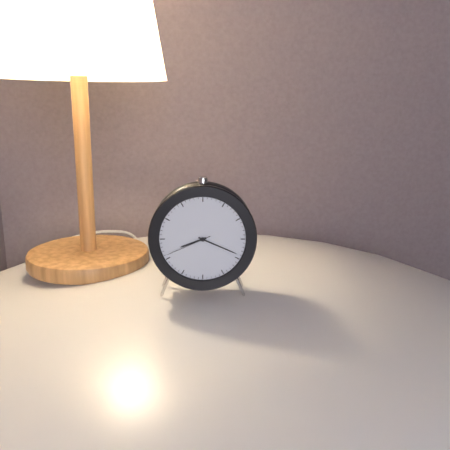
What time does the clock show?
8:19:41
